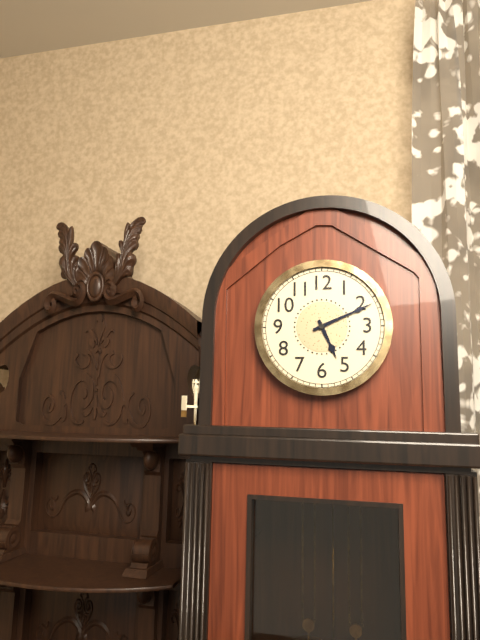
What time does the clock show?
5:11
